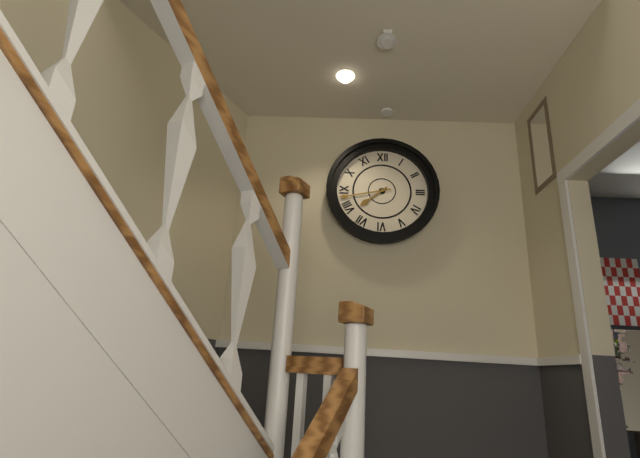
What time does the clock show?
7:43
